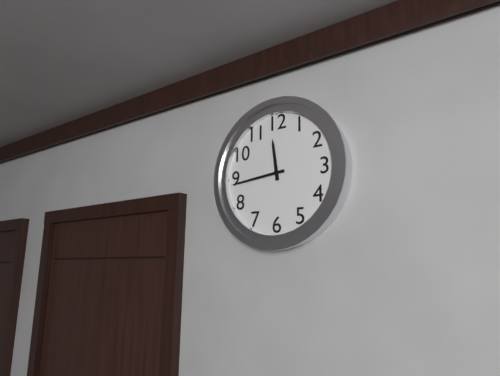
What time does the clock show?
11:44
